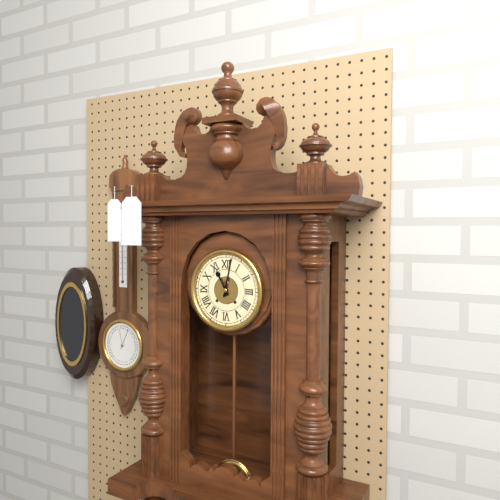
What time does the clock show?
11:02
